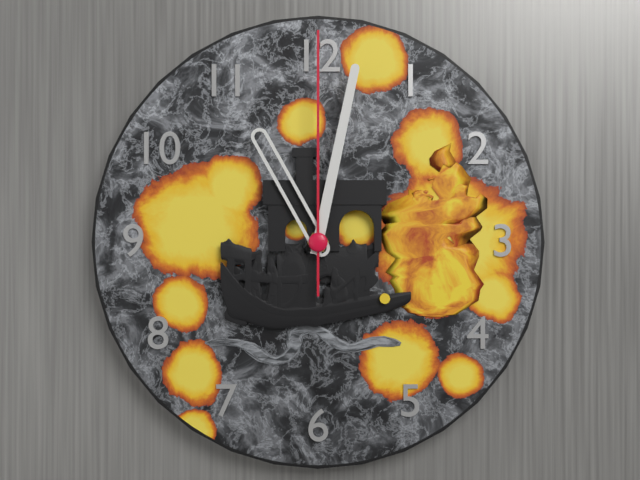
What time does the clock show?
11:02:00
